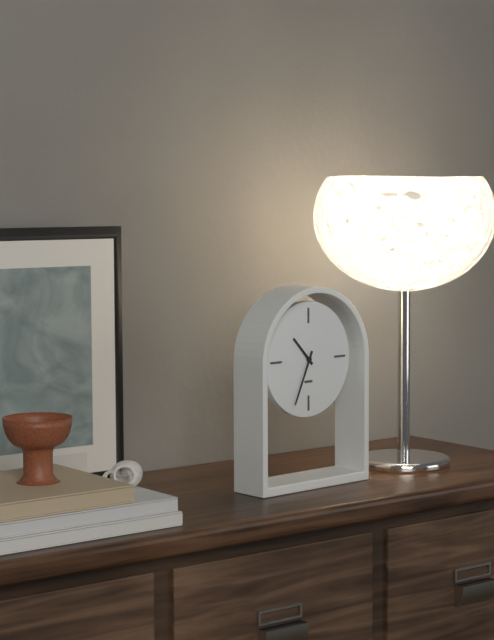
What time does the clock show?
10:34
